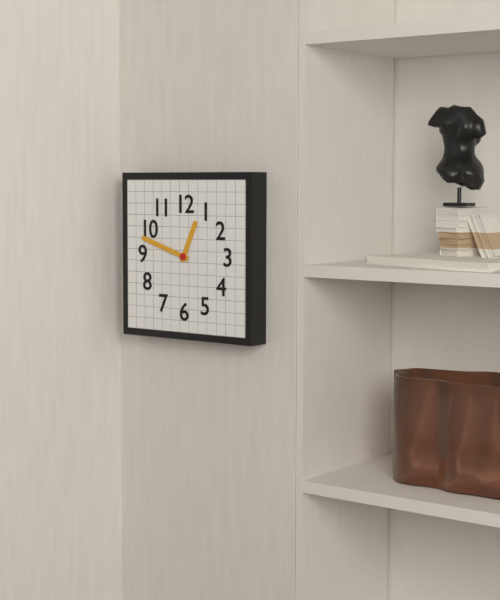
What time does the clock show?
12:48
